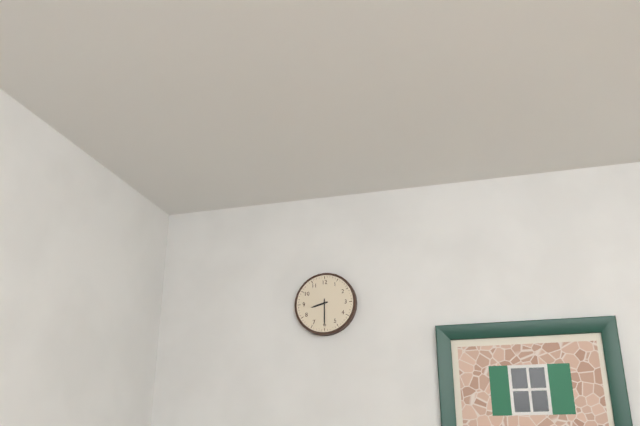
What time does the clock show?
8:30
